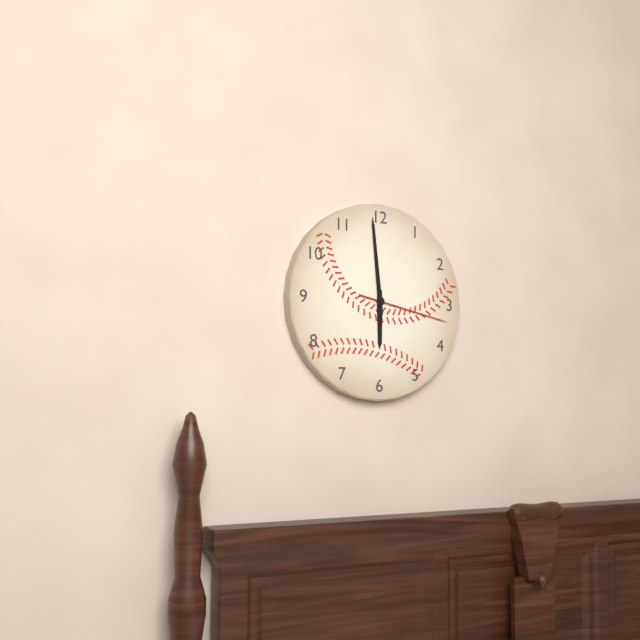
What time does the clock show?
5:59:17
